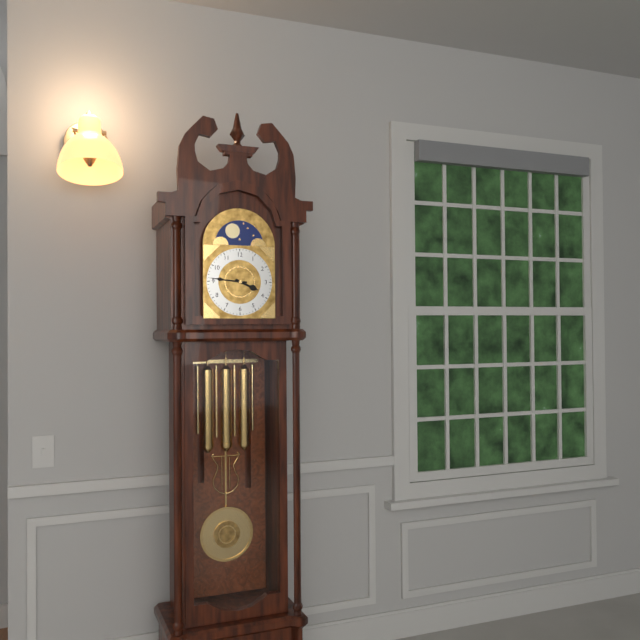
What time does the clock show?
3:46
